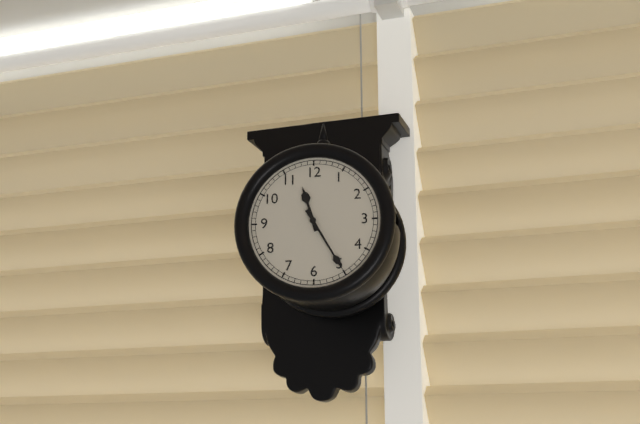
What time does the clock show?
11:25
